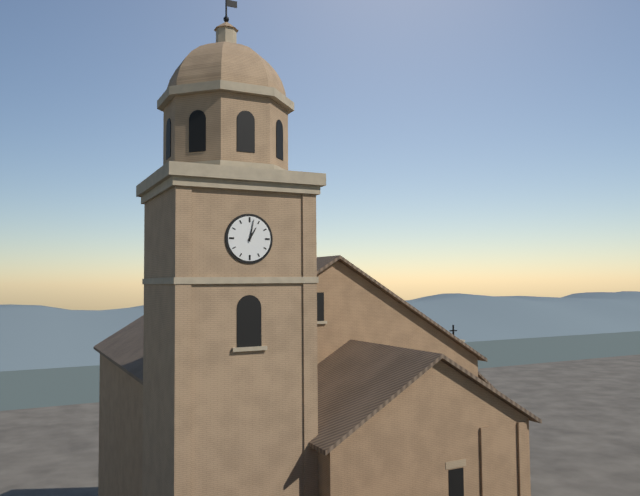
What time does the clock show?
1:02
